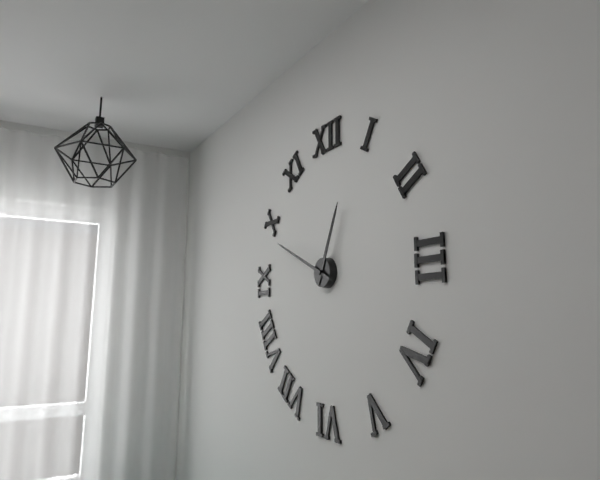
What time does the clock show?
12:49
